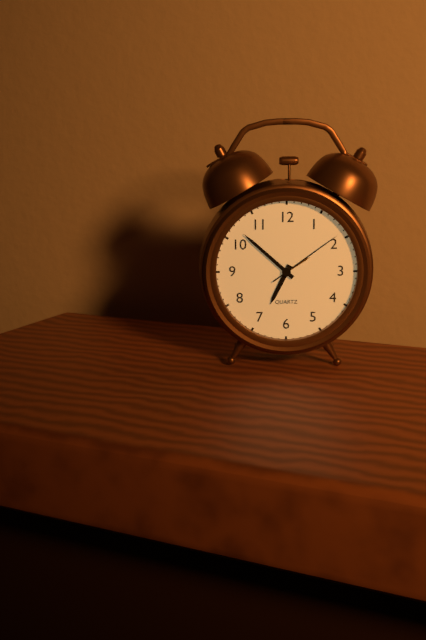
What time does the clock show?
6:52:09
